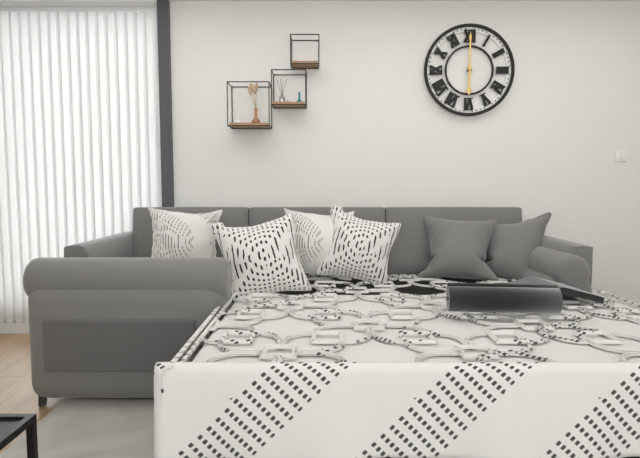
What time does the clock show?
6:00
